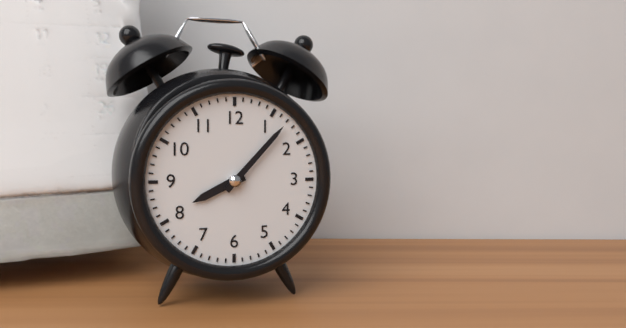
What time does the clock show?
8:07
